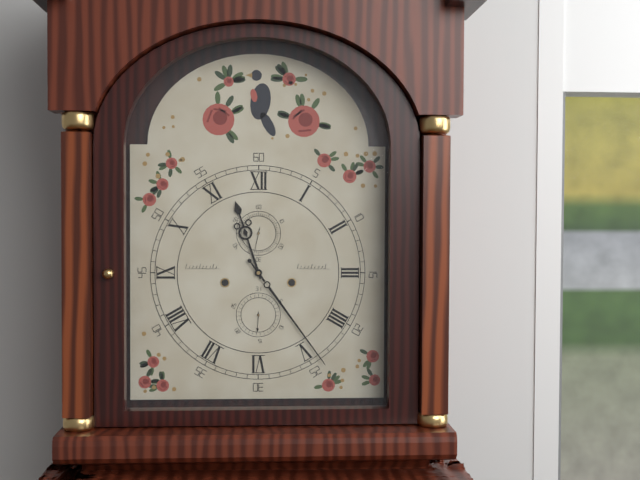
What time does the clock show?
11:24
